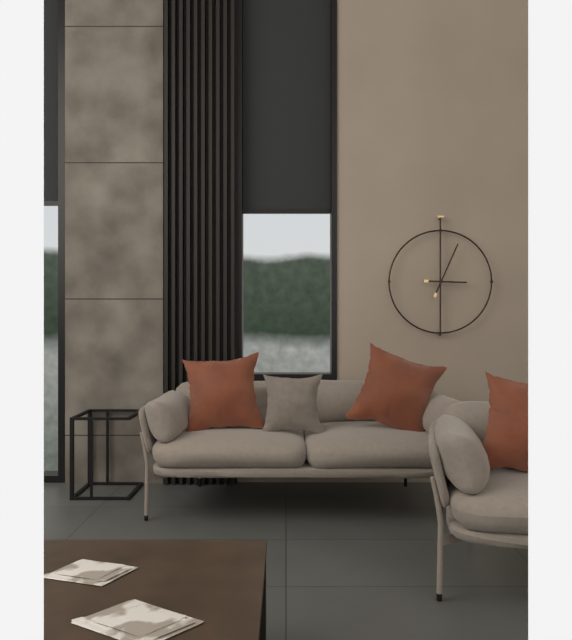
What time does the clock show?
3:04
